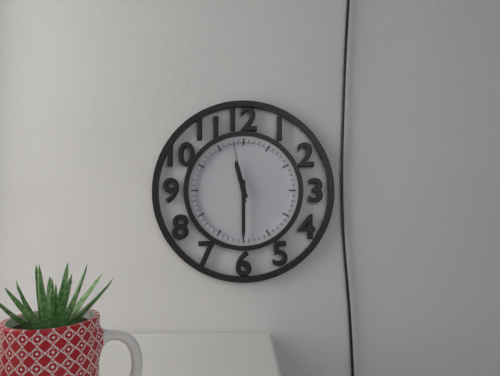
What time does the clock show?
11:30:58
